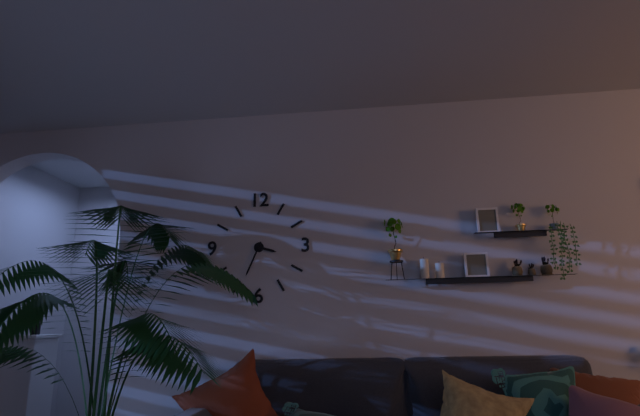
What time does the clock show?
3:34
